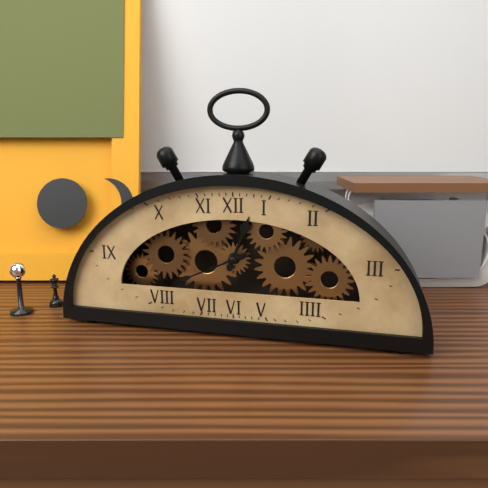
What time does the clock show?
12:41
